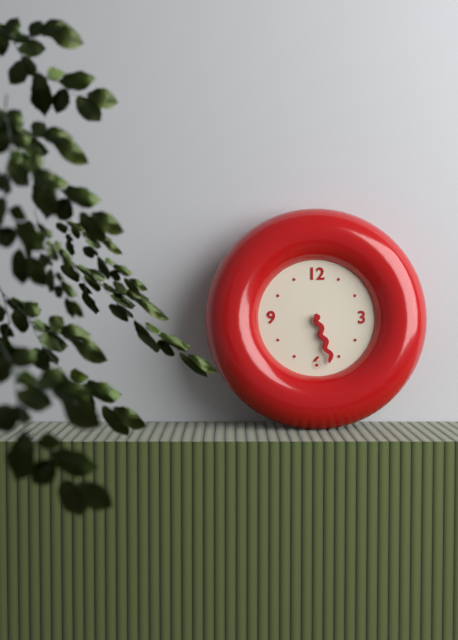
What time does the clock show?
5:27
